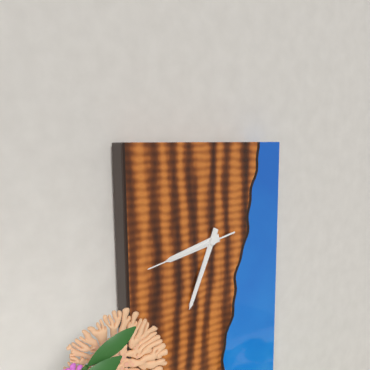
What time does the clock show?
8:34:43
